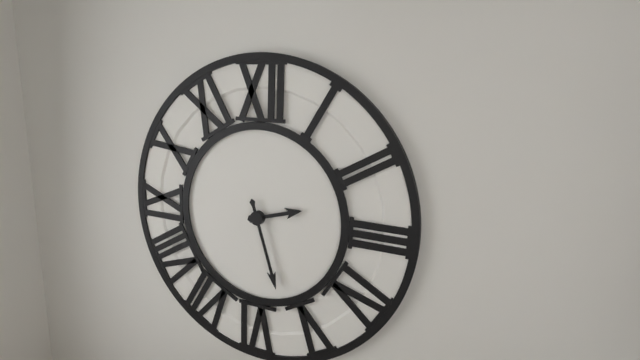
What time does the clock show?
2:27
